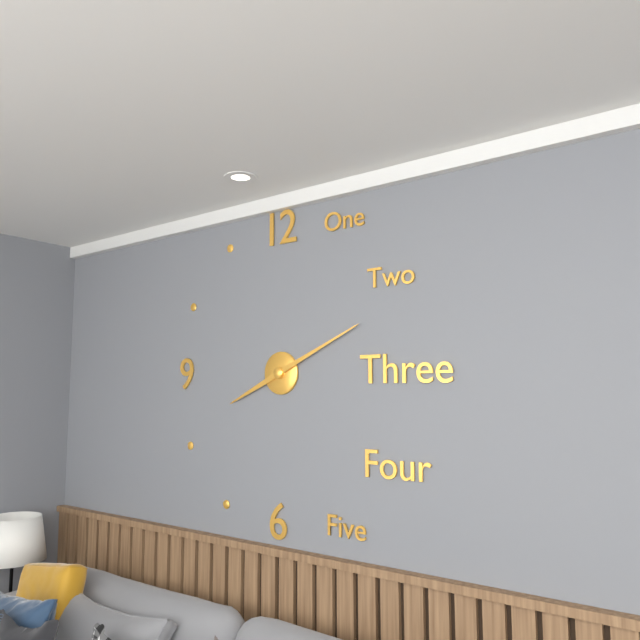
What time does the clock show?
8:11
